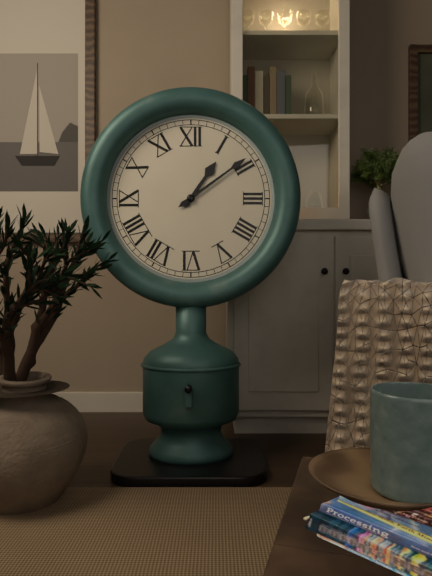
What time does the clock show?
1:09
